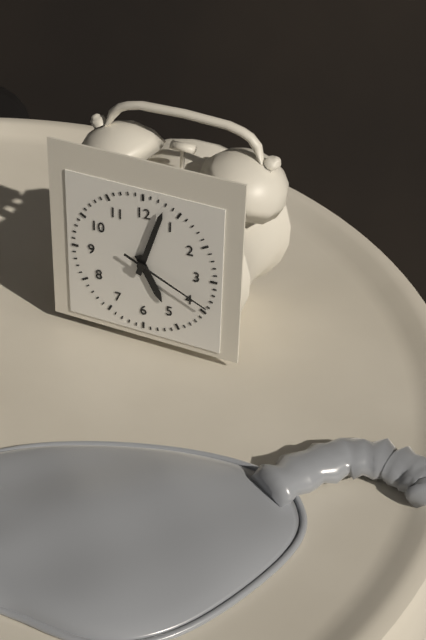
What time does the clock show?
5:03:19
